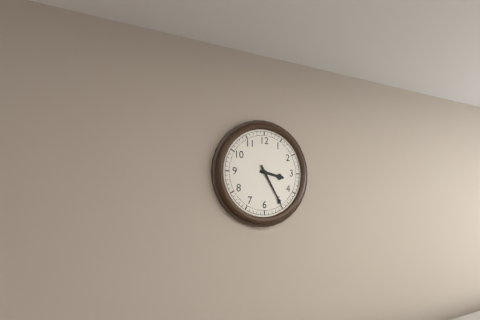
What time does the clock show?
3:25
